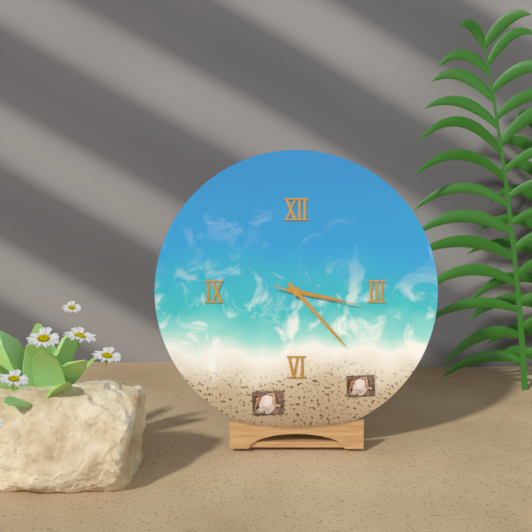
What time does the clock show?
3:23:17
